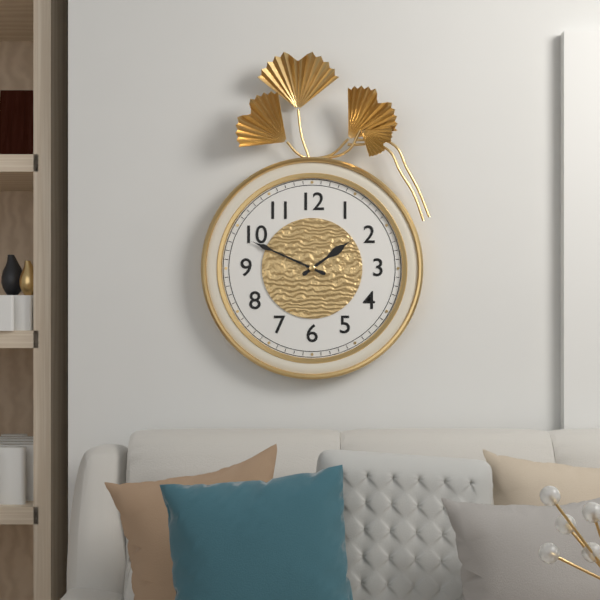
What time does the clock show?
1:49
